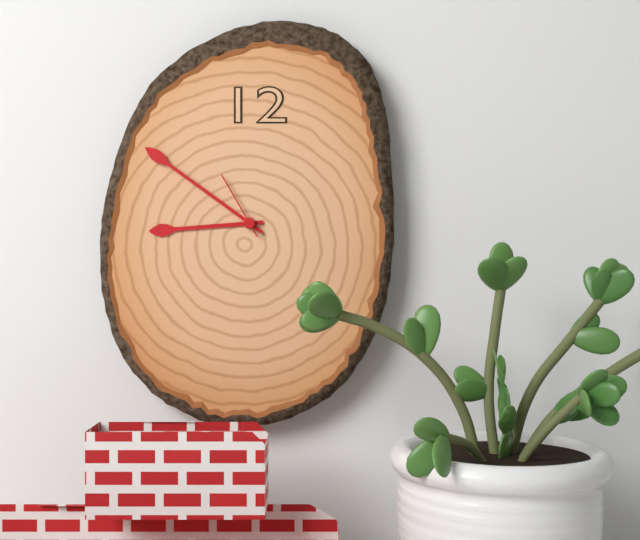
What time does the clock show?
8:51:55
